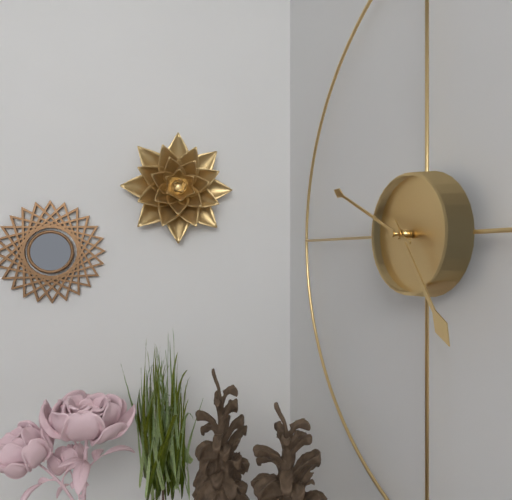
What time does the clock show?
4:49
